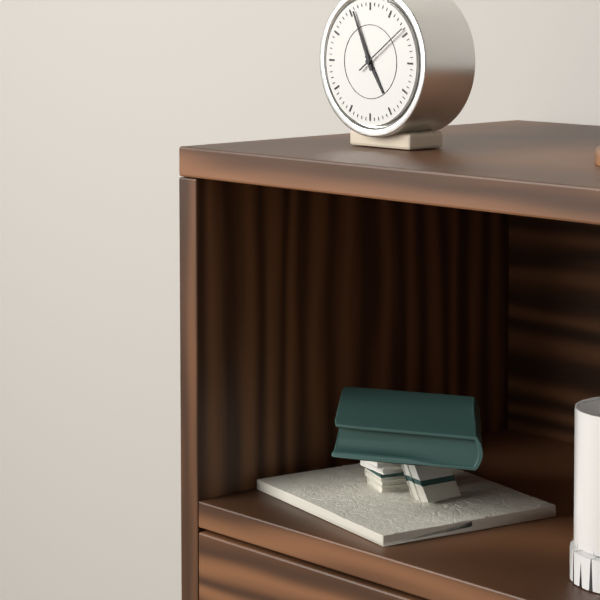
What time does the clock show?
4:56:09
